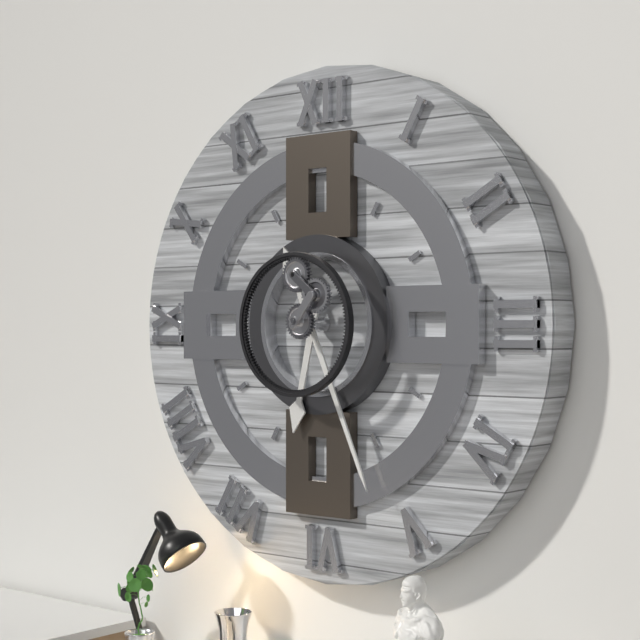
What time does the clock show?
6:26
